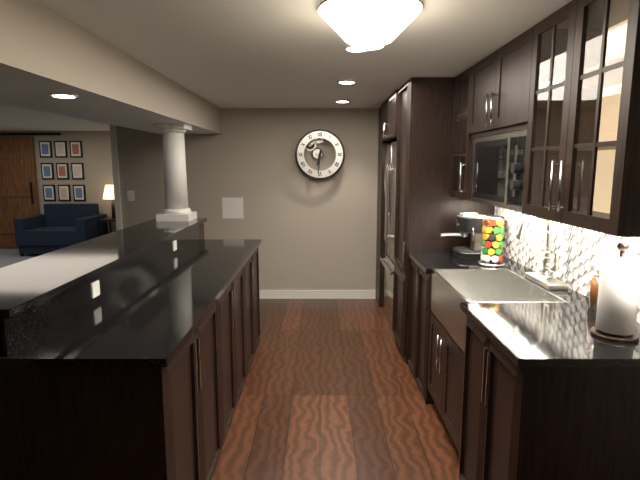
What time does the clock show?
6:31
